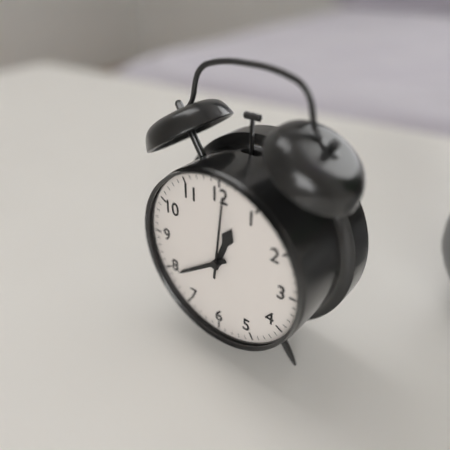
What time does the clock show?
12:39:01
